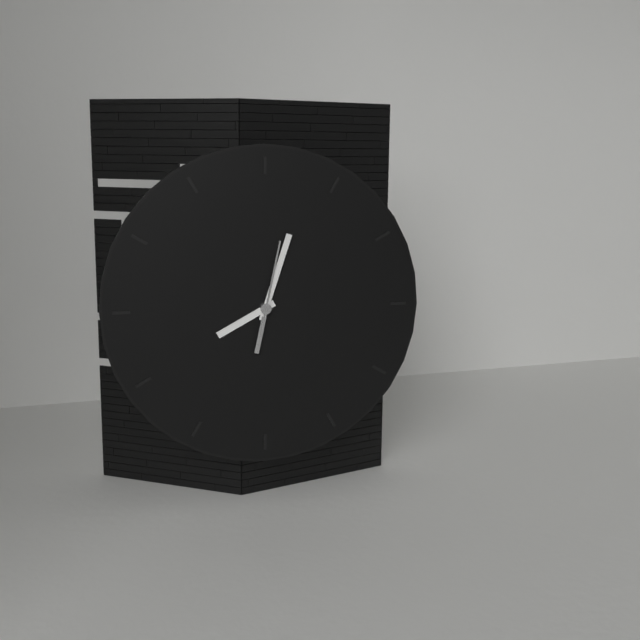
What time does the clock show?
8:03:02
